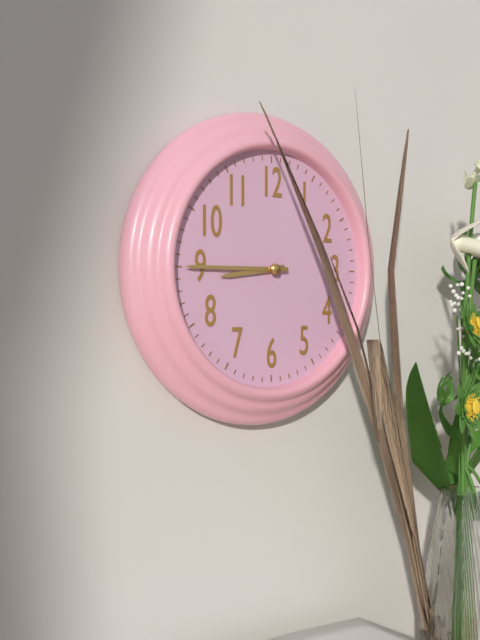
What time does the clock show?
8:45
